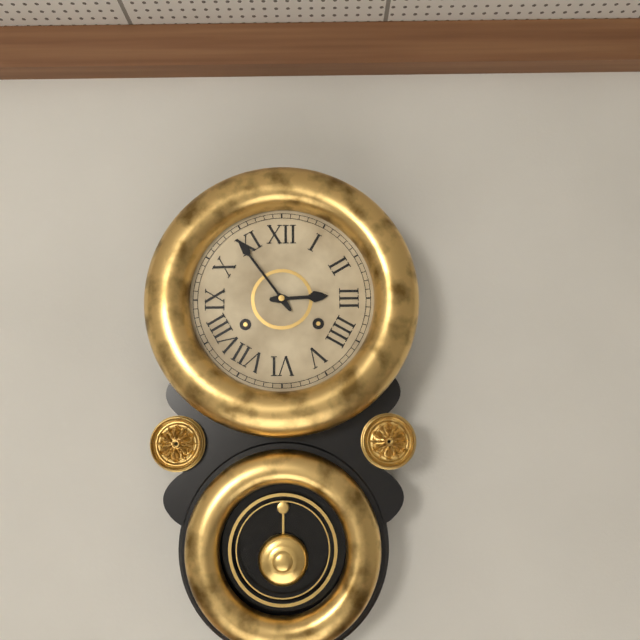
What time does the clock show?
2:54
